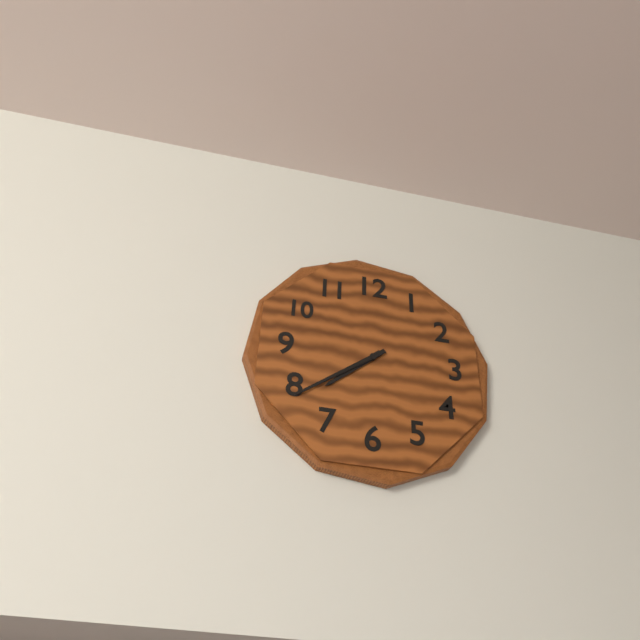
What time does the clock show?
7:39
